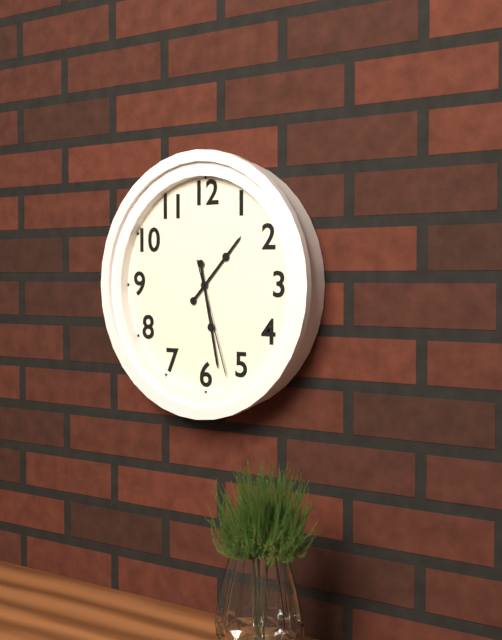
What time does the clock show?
1:28:27
